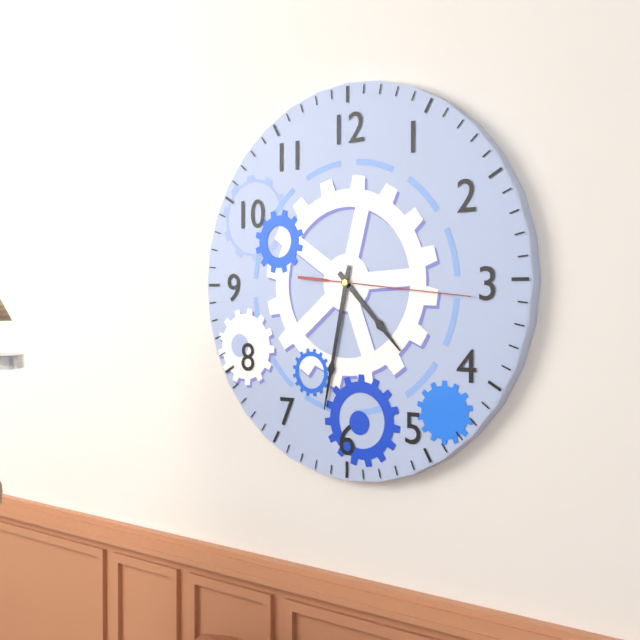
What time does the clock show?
4:32:16
